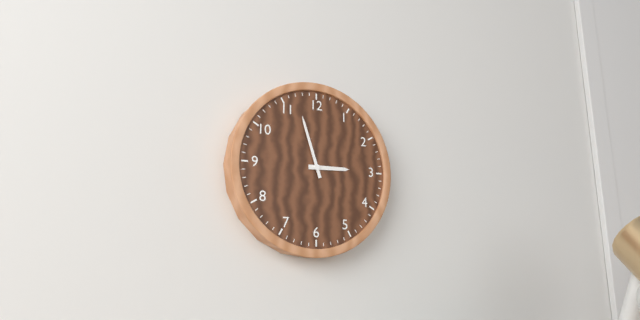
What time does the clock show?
2:57
